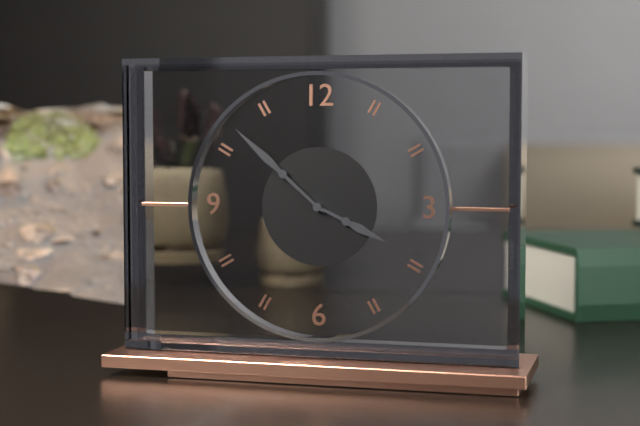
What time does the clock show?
3:52
